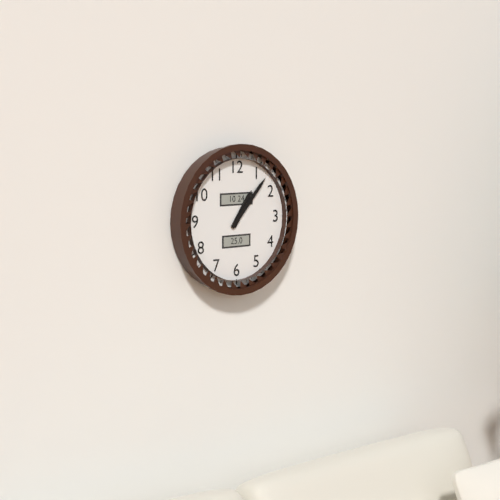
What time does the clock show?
1:07
